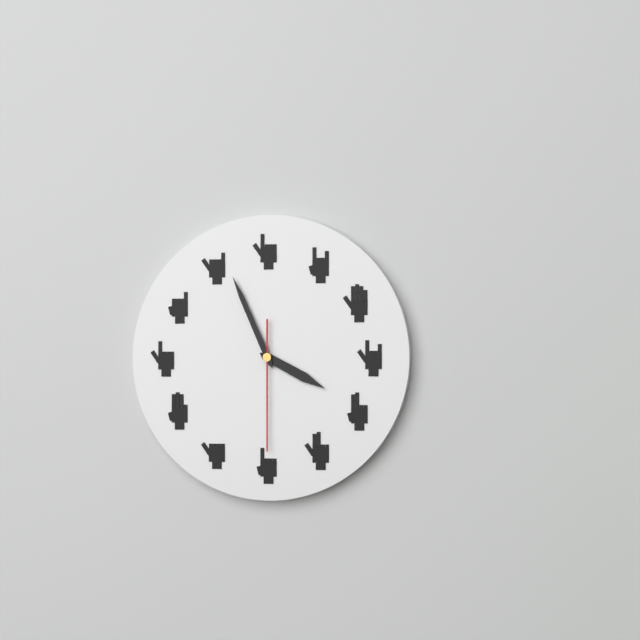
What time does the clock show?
3:56:30
